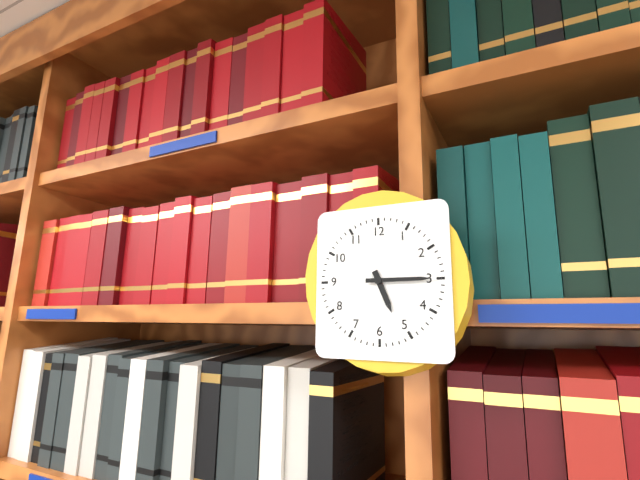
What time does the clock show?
5:15
